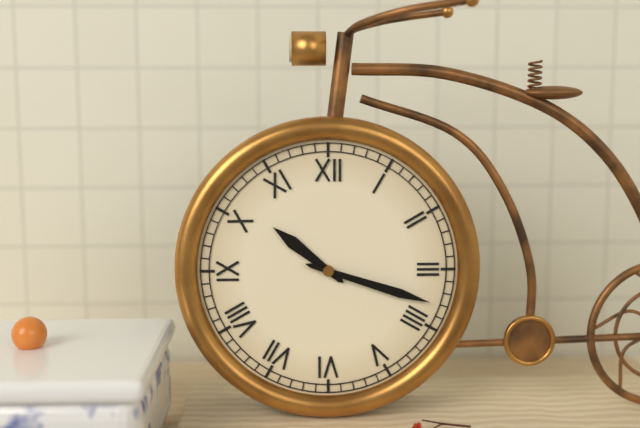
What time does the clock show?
10:18
